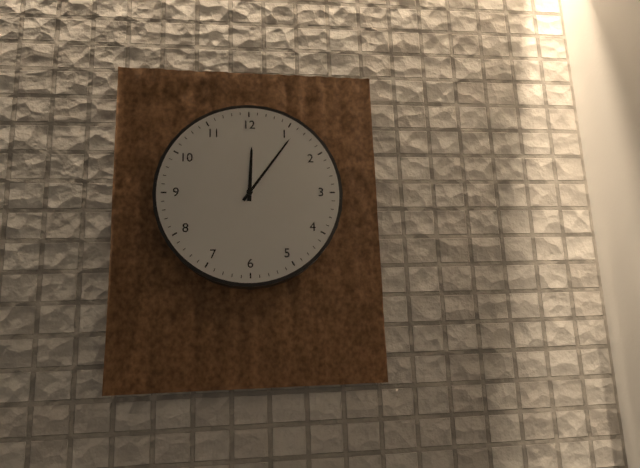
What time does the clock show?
12:06
